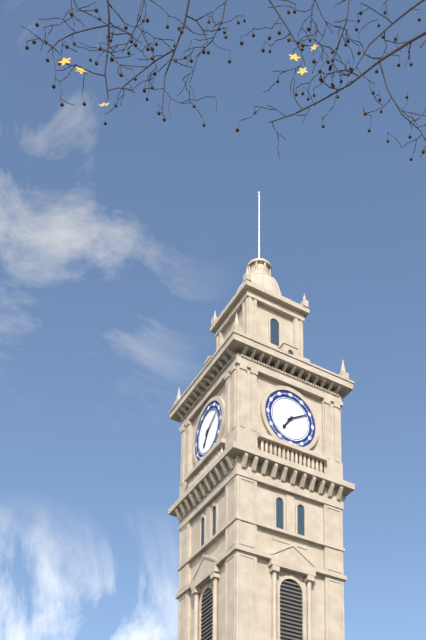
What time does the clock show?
7:10
